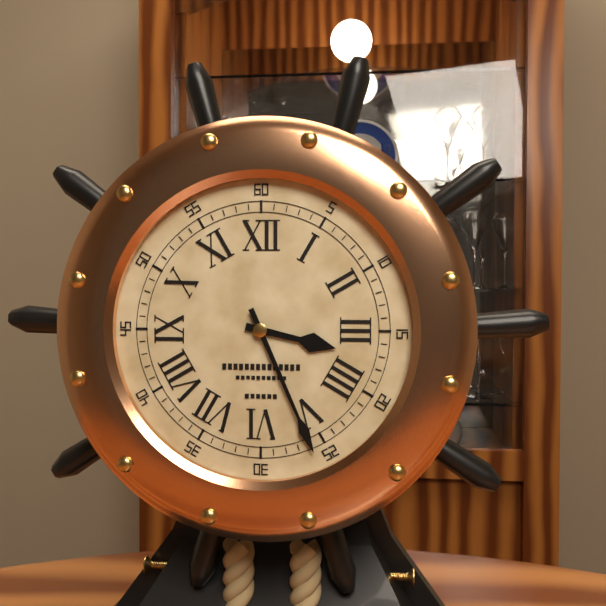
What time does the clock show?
3:26
